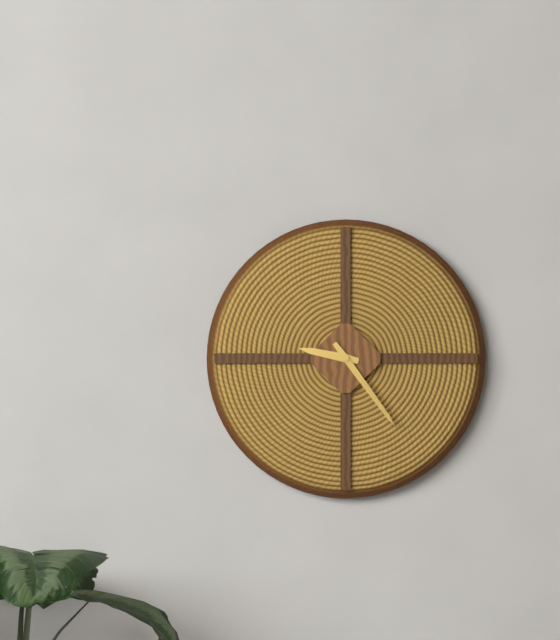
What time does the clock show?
9:24
